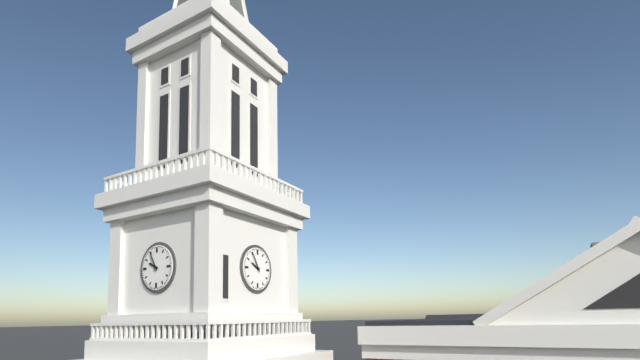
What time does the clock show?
9:55
